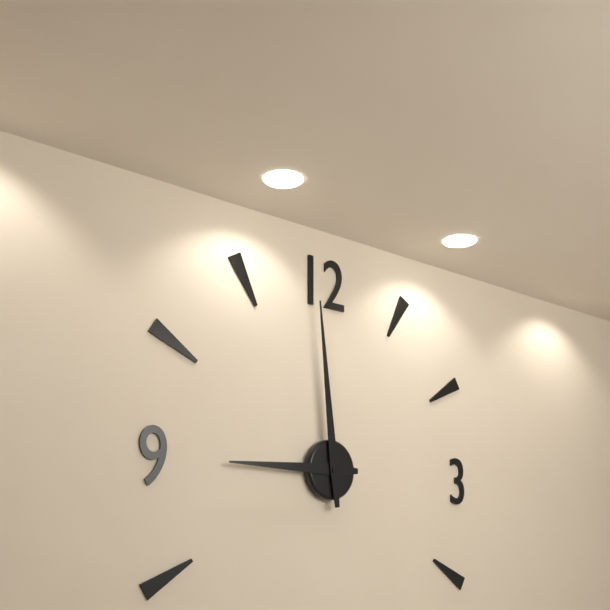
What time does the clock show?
8:59
